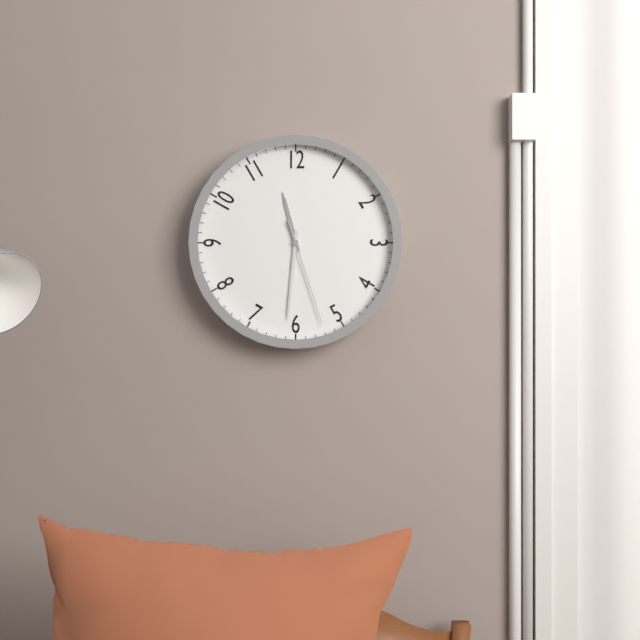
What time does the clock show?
11:31:27
